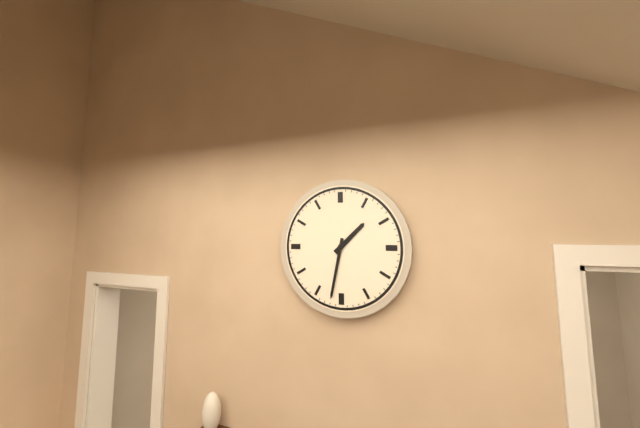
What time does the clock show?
1:32
